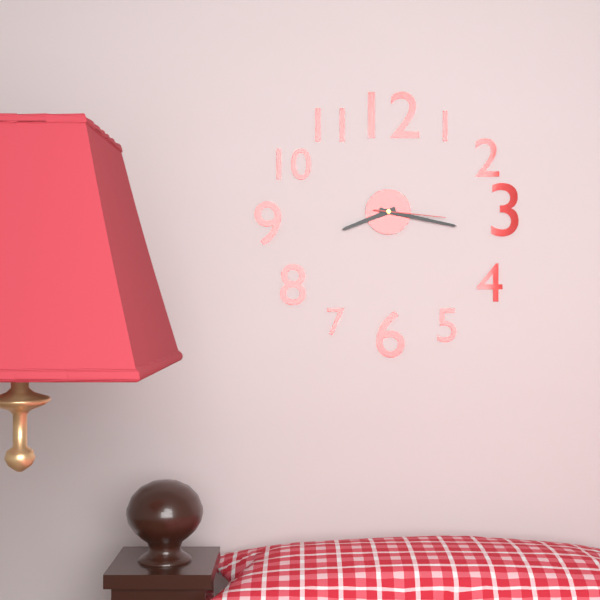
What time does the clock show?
8:17:16
